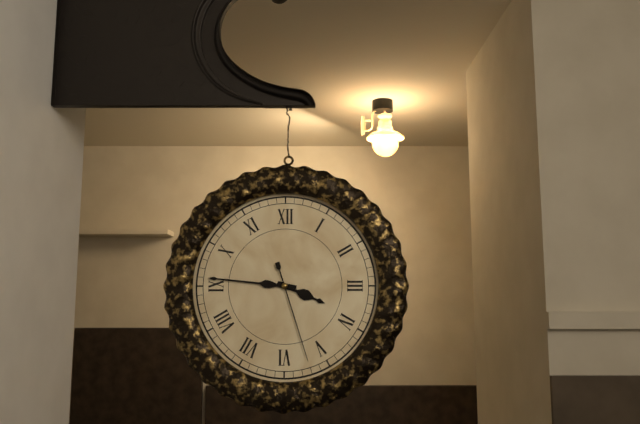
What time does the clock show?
3:46:27
